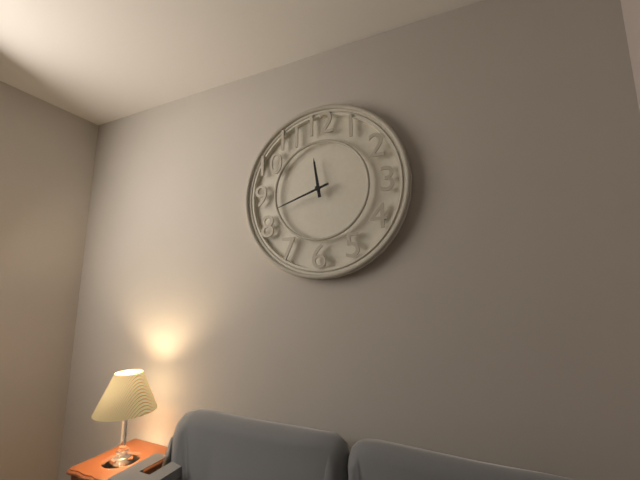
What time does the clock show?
11:42
